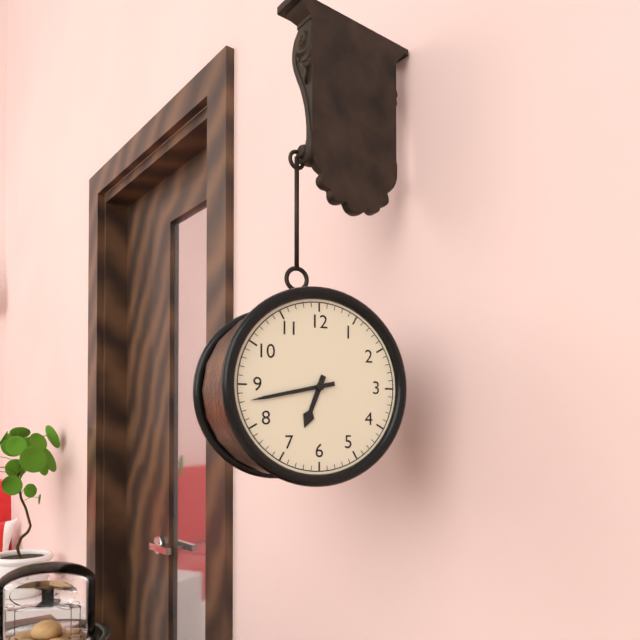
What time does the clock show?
6:43
